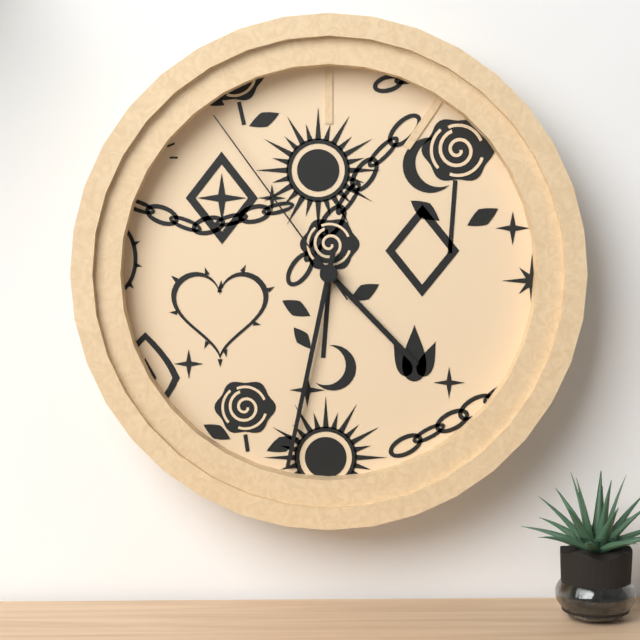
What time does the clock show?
4:32:54
